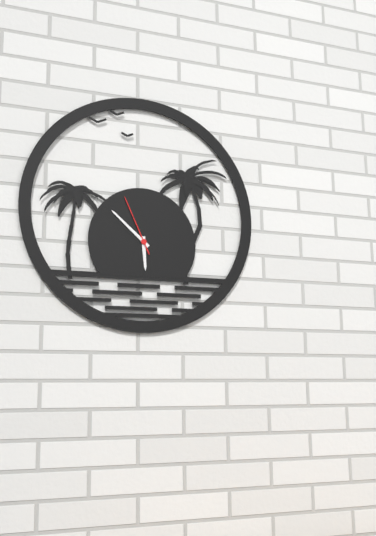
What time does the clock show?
5:52:56
